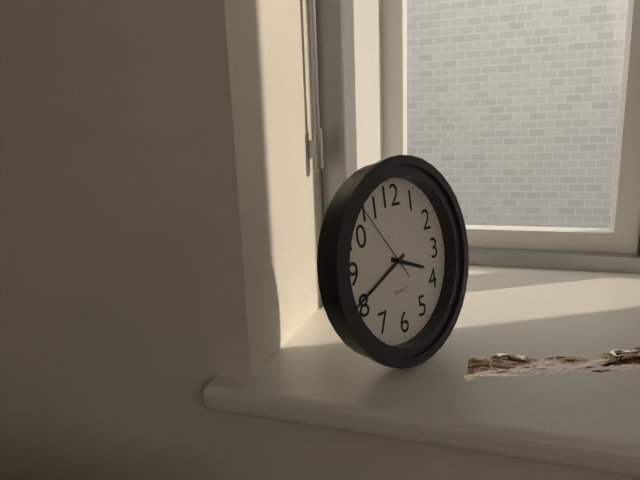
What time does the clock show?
3:41:54
